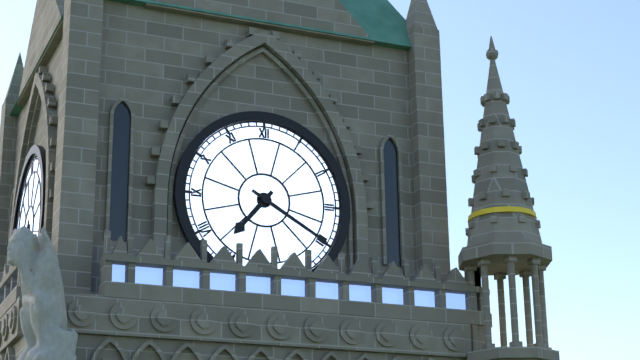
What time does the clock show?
7:20
